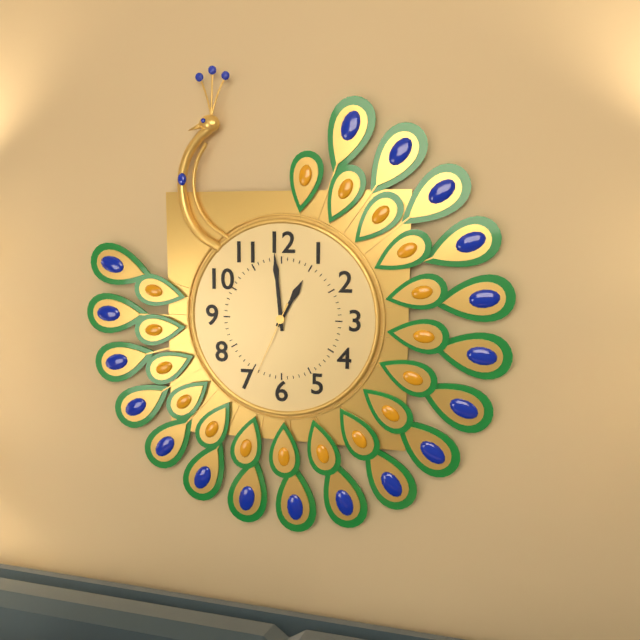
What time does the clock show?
12:59:34
